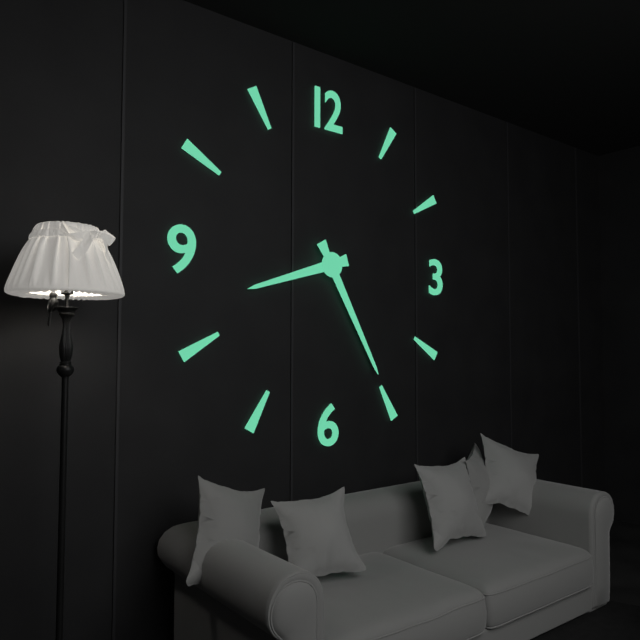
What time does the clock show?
8:25
